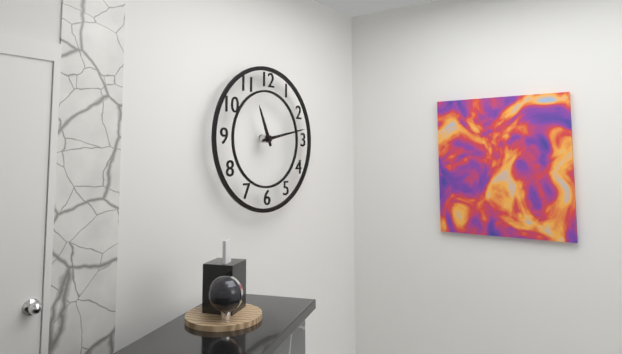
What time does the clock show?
11:13
